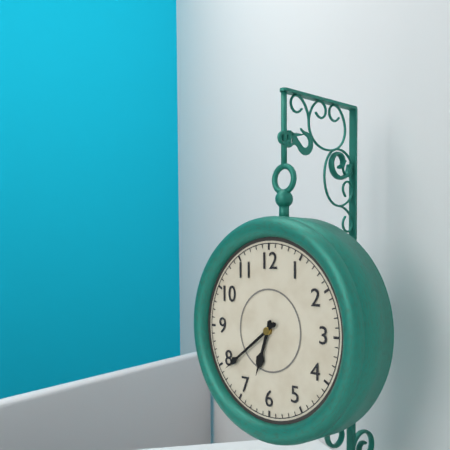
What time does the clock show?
6:39
